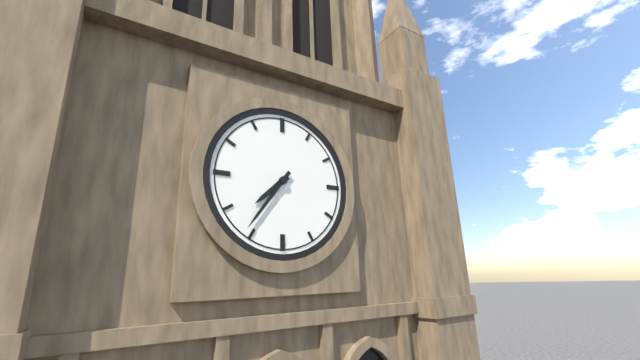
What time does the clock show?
7:36
